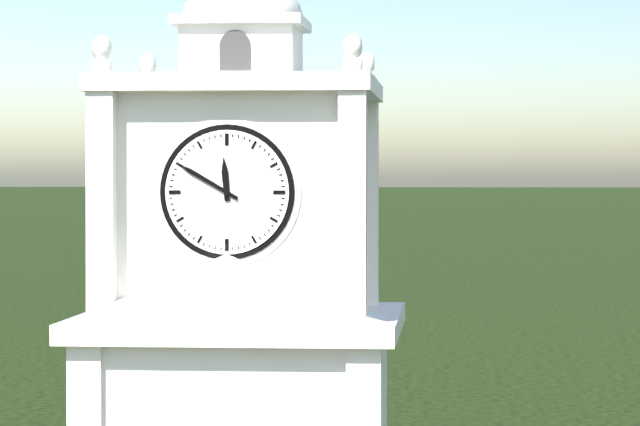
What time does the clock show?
11:50
